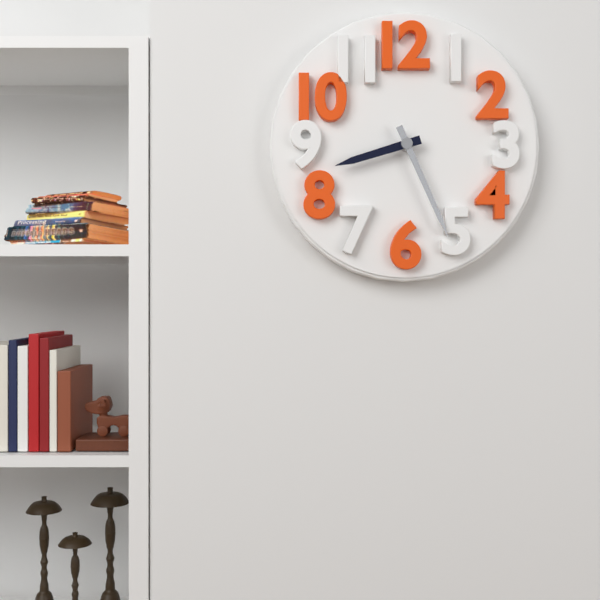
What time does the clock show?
8:26
